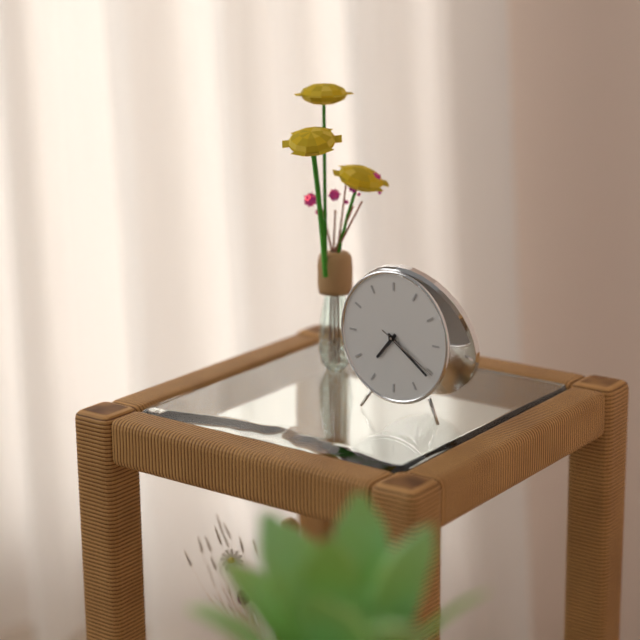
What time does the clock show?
7:21:20
